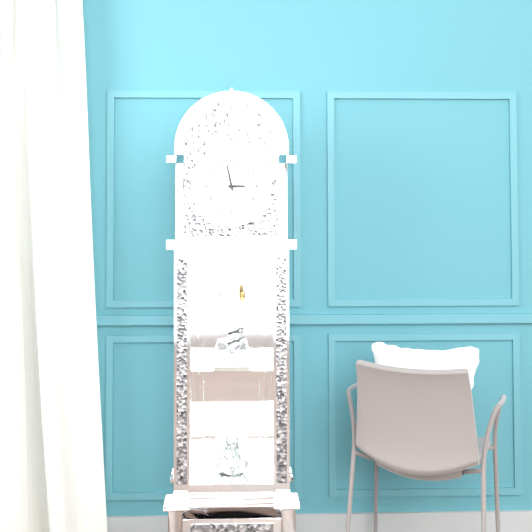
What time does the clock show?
2:58
